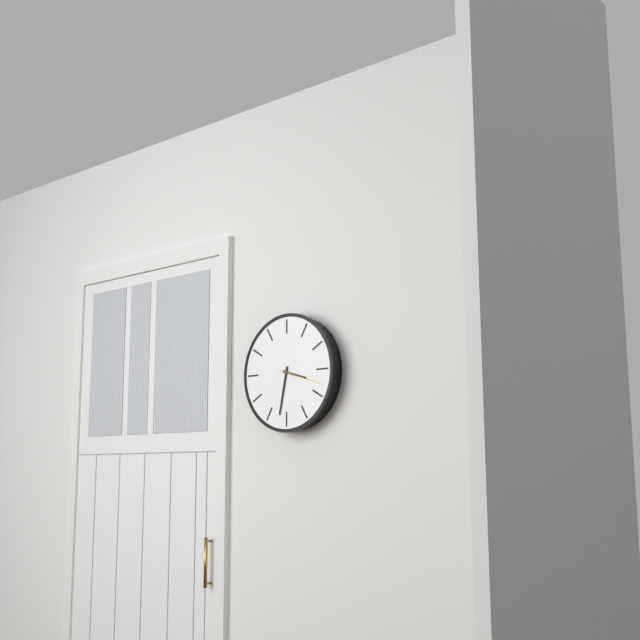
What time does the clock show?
3:32
